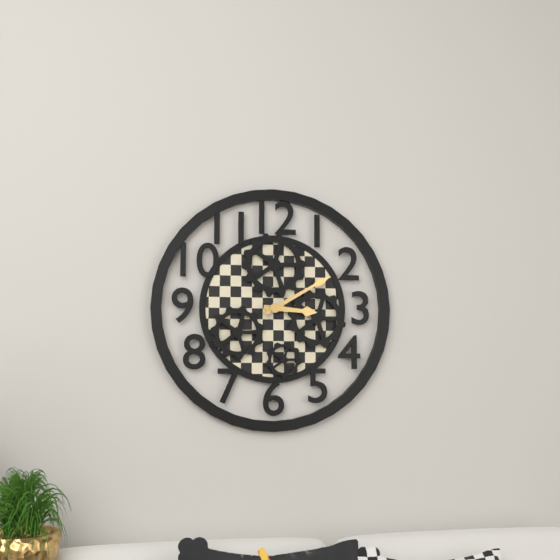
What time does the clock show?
3:10
